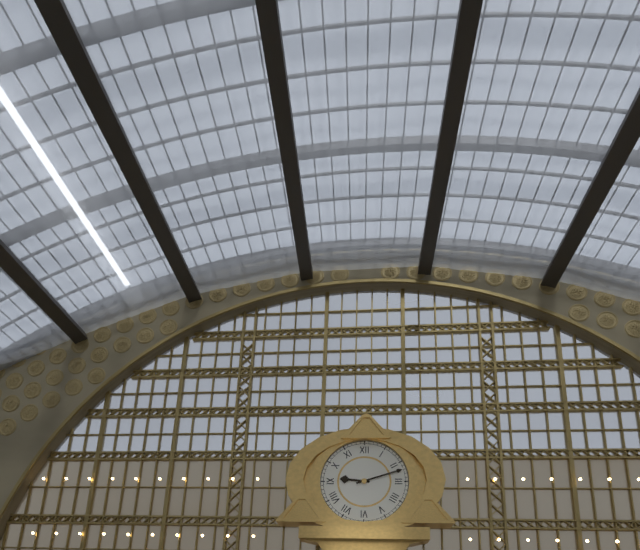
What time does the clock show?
9:12
